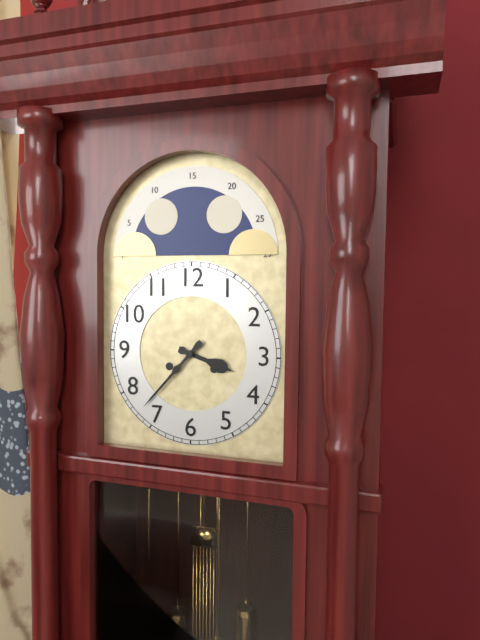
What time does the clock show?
3:37
